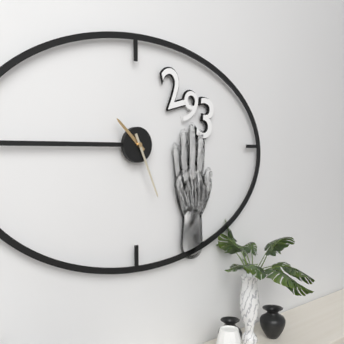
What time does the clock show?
10:26
